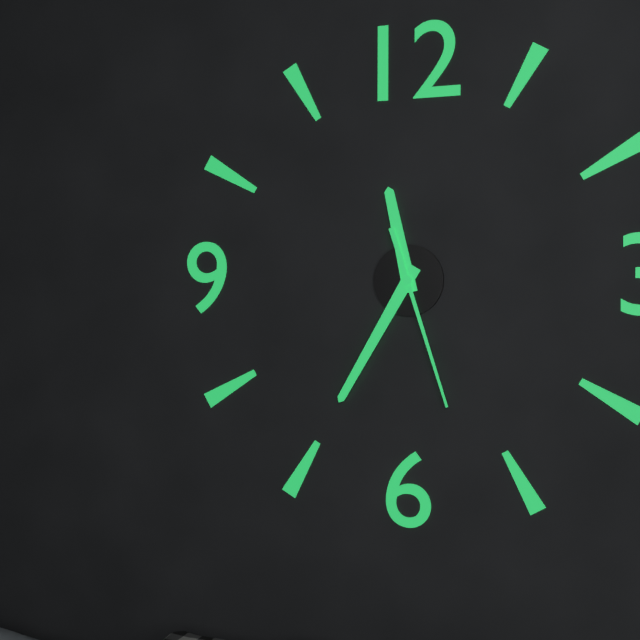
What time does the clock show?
11:35:27
